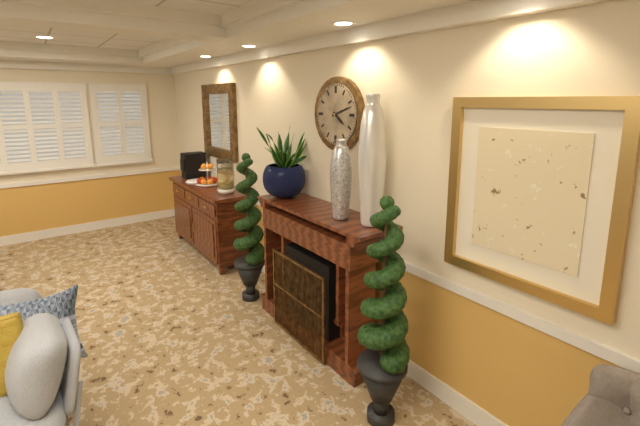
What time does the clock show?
4:12
